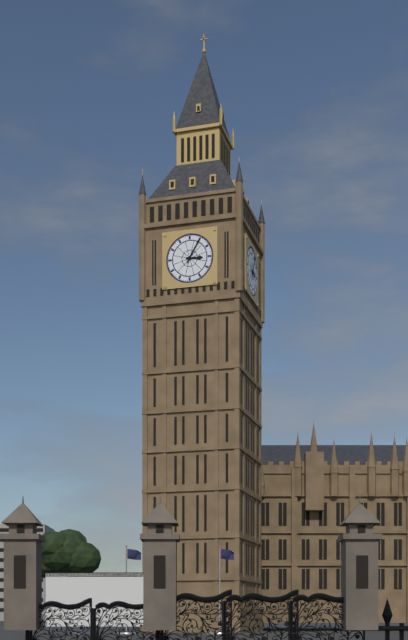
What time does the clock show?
3:05
